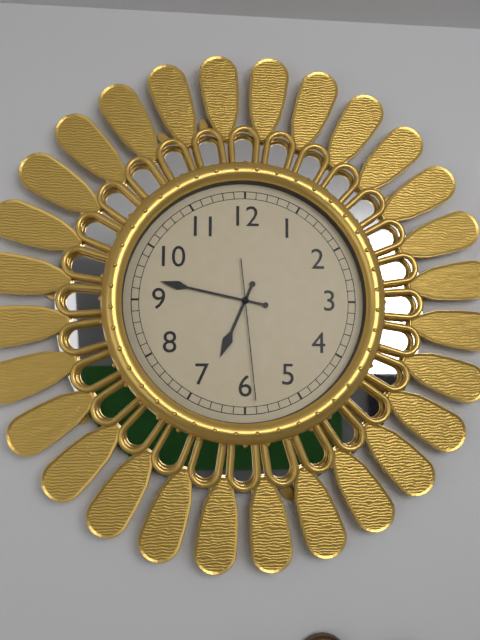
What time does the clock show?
6:47:29
